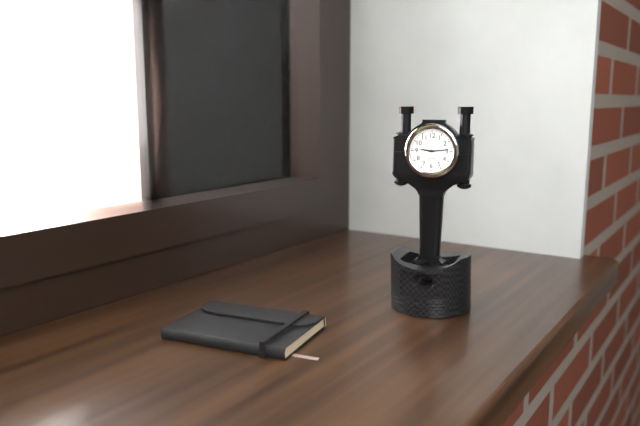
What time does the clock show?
9:14
